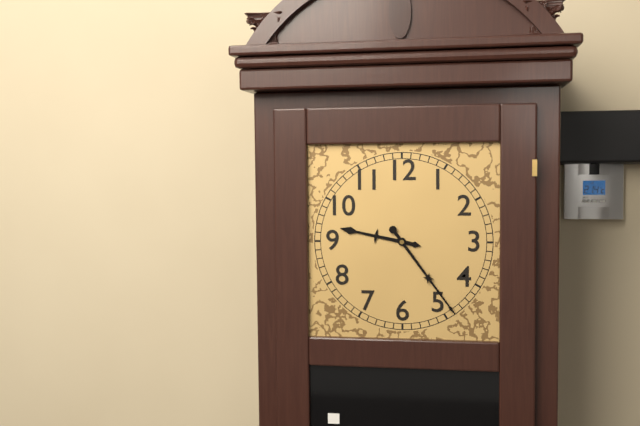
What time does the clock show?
9:24
